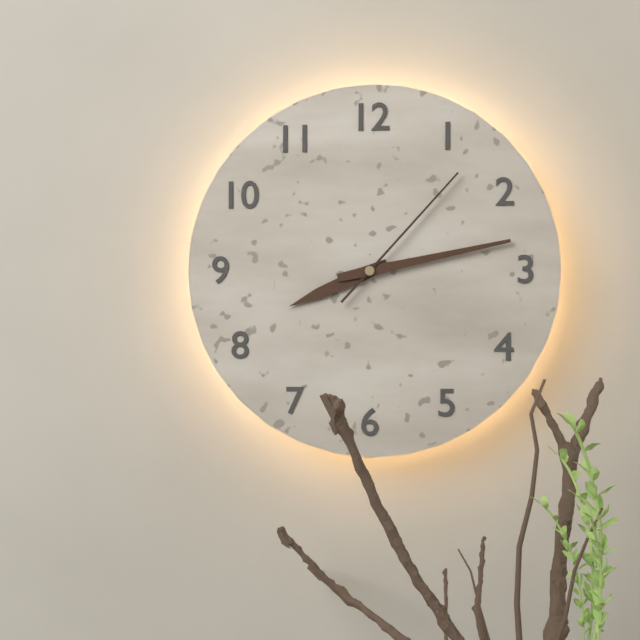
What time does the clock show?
8:13:07
